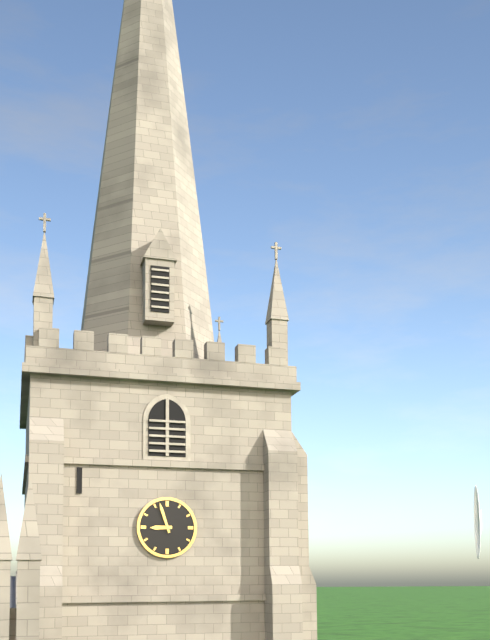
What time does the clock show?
8:57
